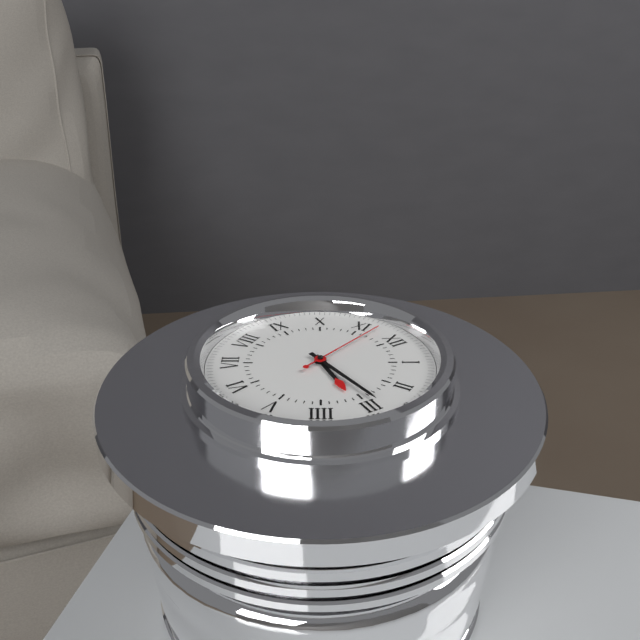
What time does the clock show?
3:14:57
